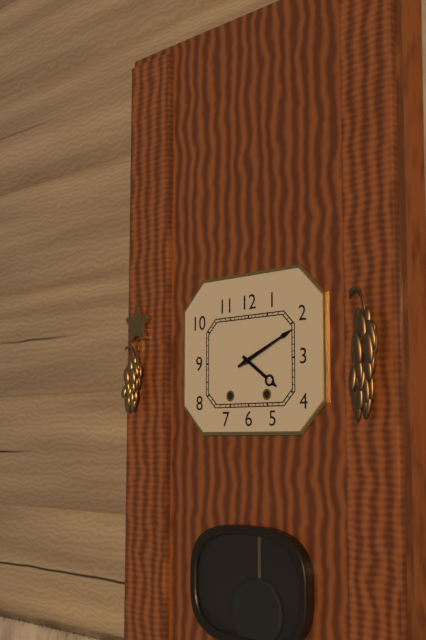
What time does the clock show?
4:11
